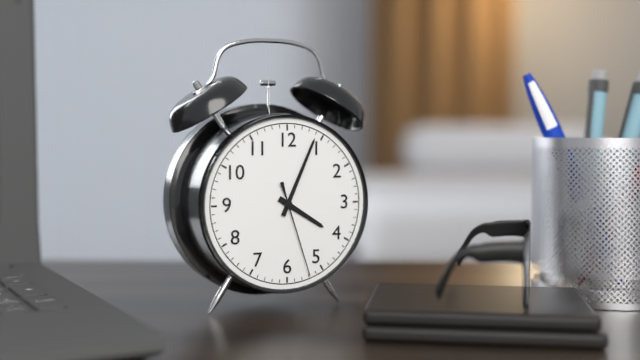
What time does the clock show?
4:04:27
